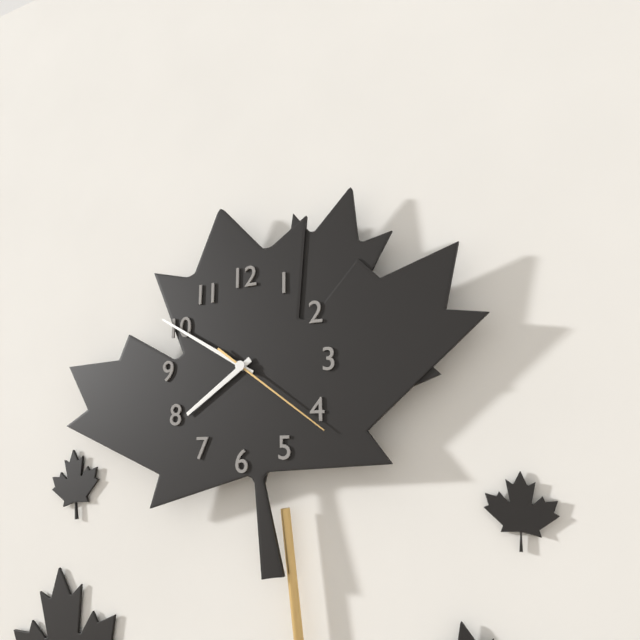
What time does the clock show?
7:50:21
